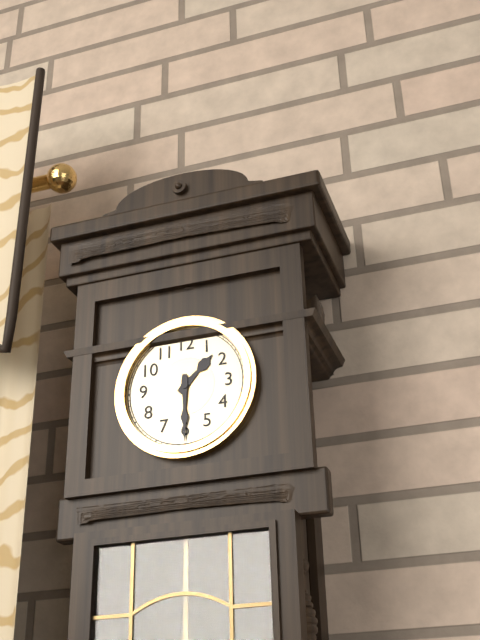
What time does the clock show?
1:30
